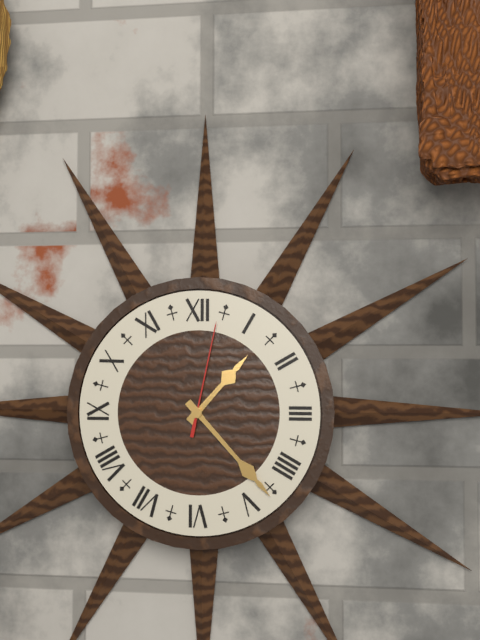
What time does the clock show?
1:23:02
